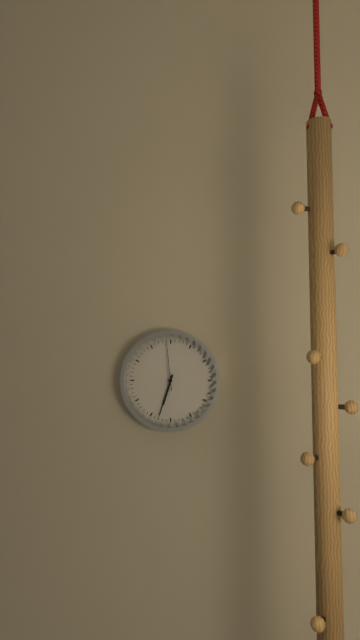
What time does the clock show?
6:33:59
